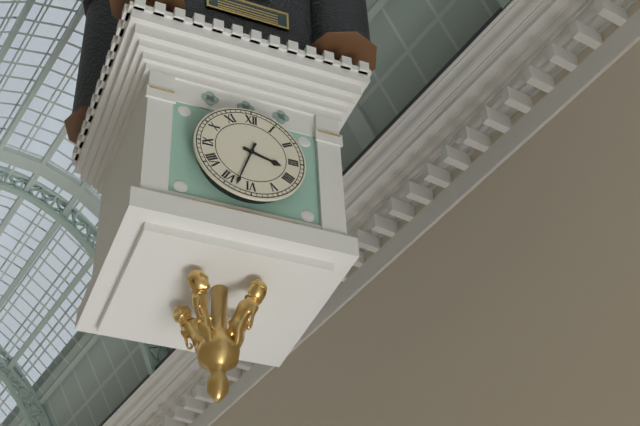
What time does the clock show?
3:33
